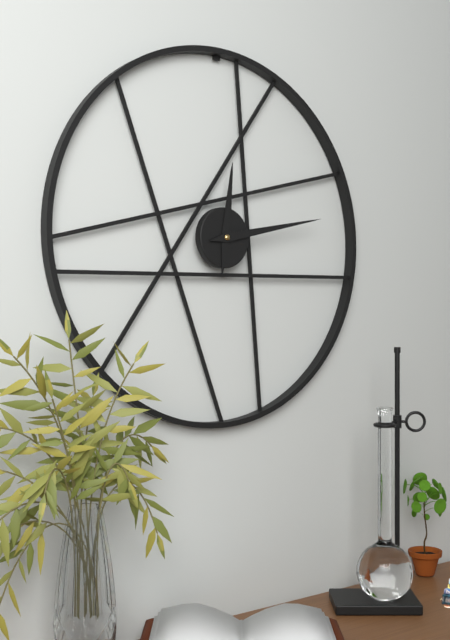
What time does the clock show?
12:13
